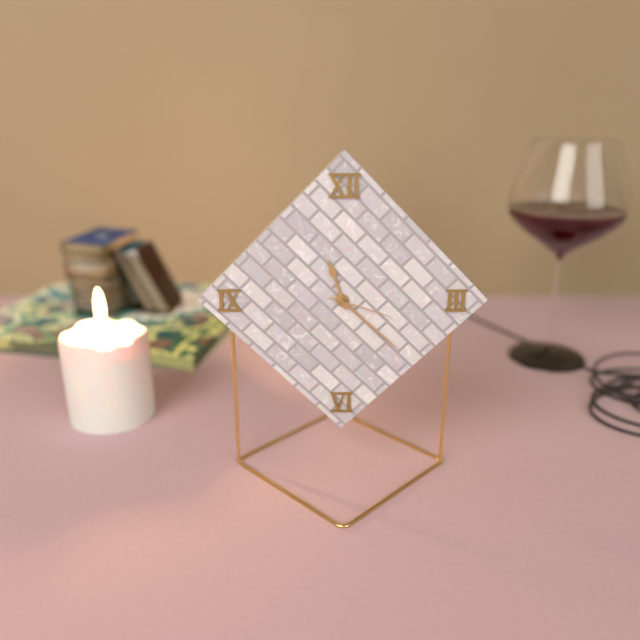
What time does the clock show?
11:22:18
